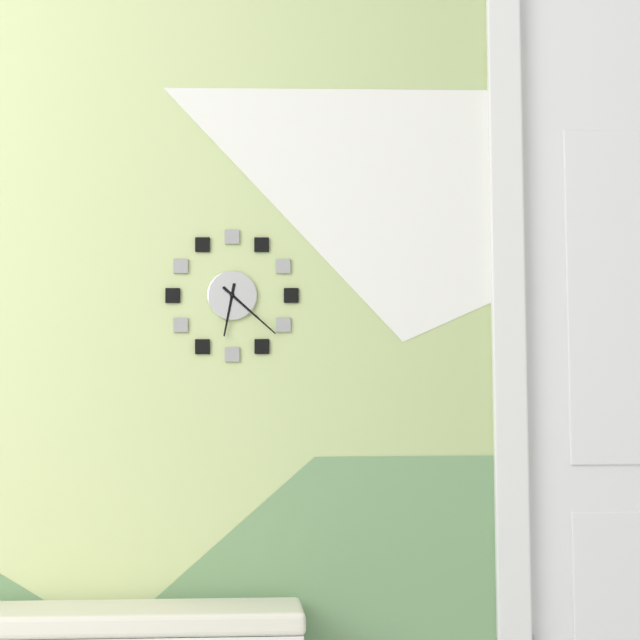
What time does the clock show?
6:22
